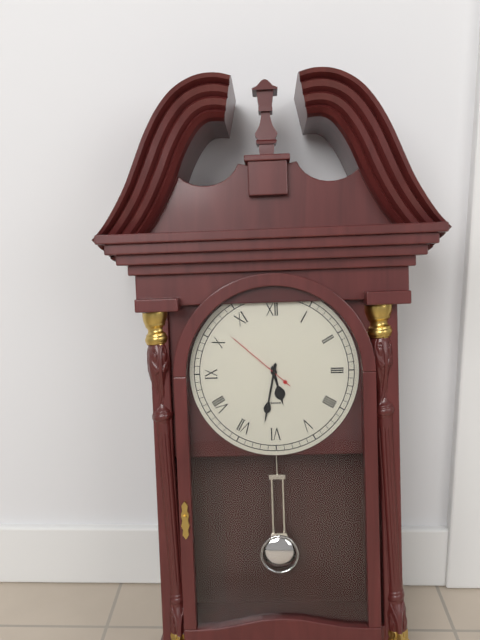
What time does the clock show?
5:32:52
